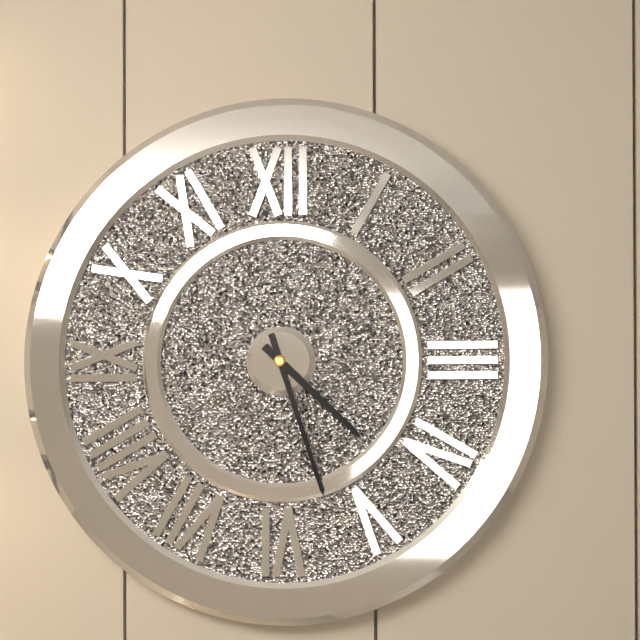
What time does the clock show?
4:27
